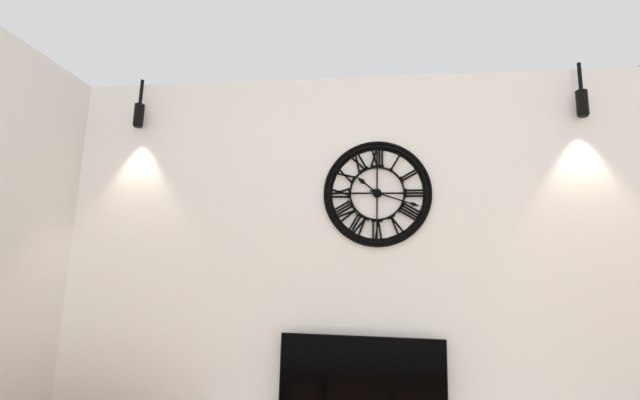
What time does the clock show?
10:18
